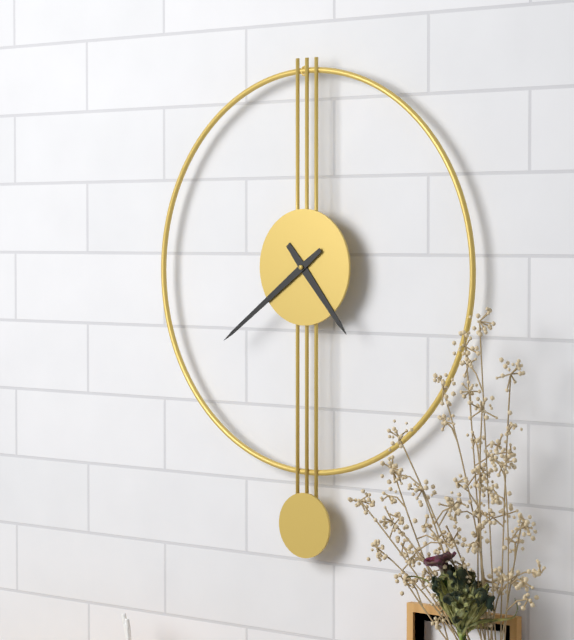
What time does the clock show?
4:39
